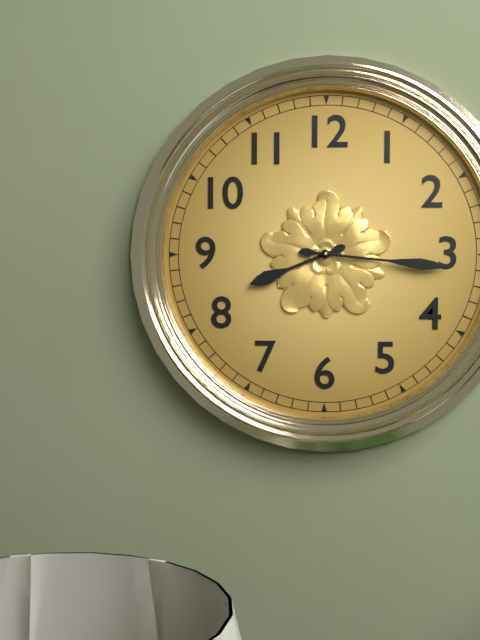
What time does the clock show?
8:16
